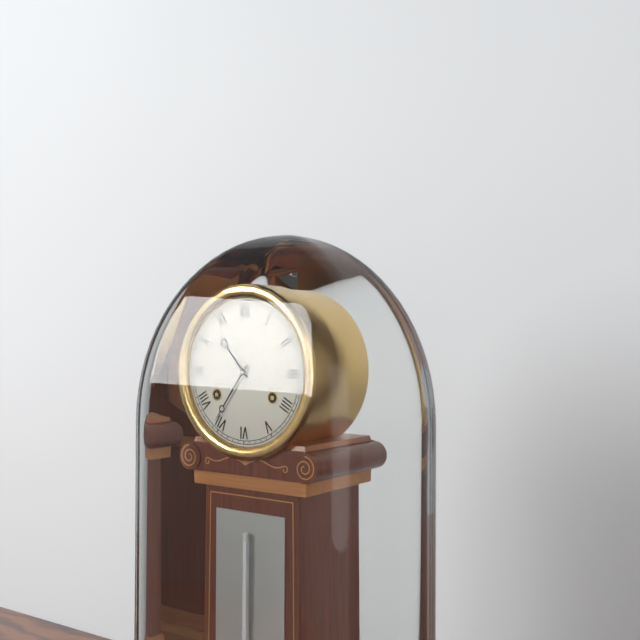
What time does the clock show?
10:36
